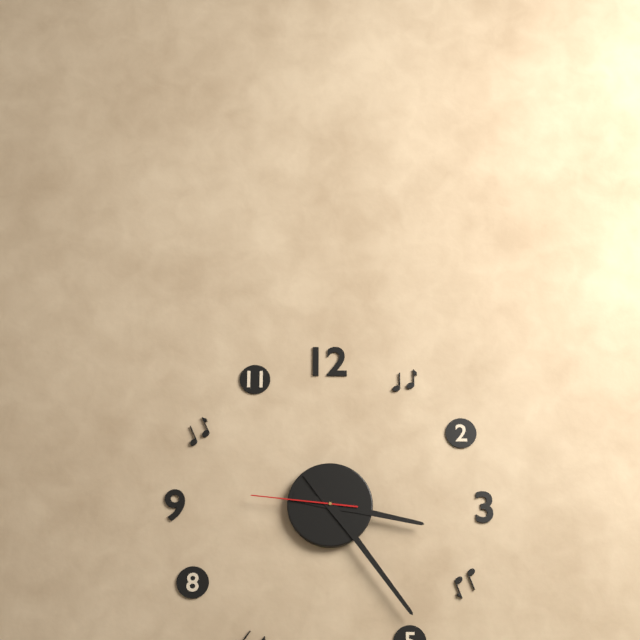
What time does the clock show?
3:24:46
